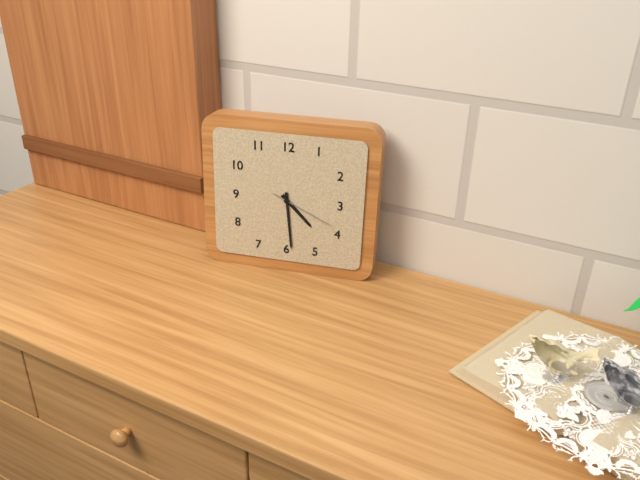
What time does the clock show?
4:29:19
